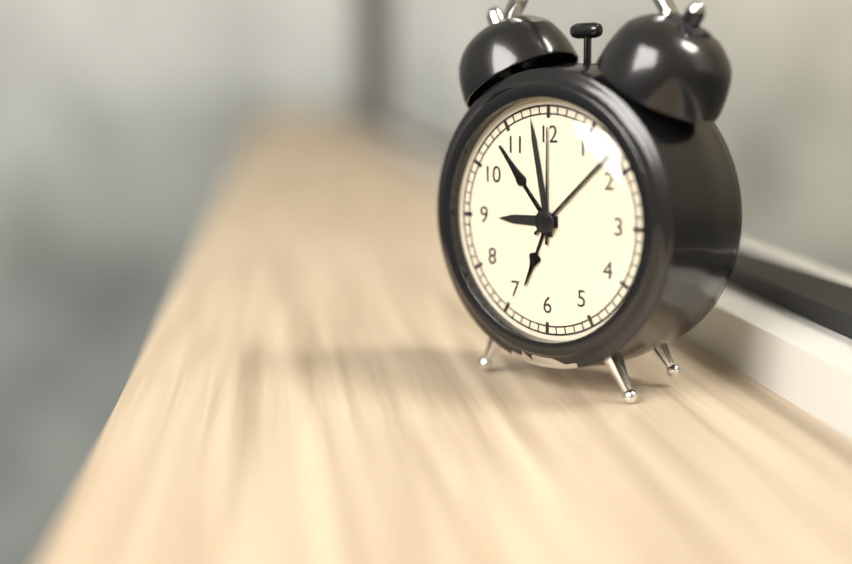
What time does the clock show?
8:58:00
